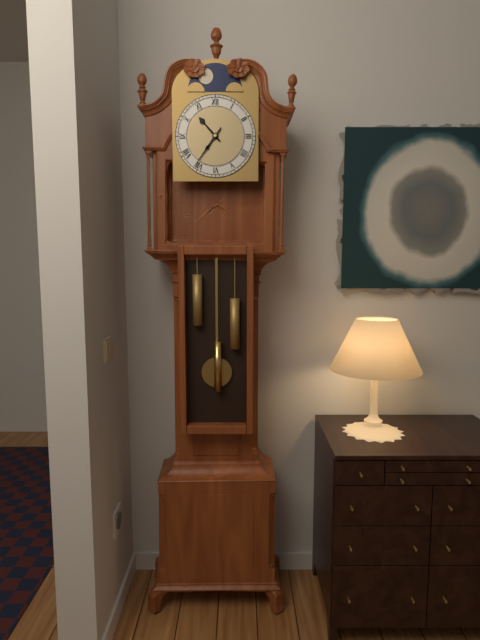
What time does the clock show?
10:36
